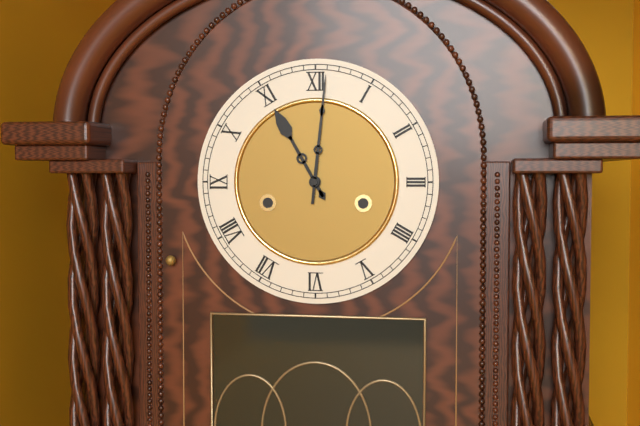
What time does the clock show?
11:01
